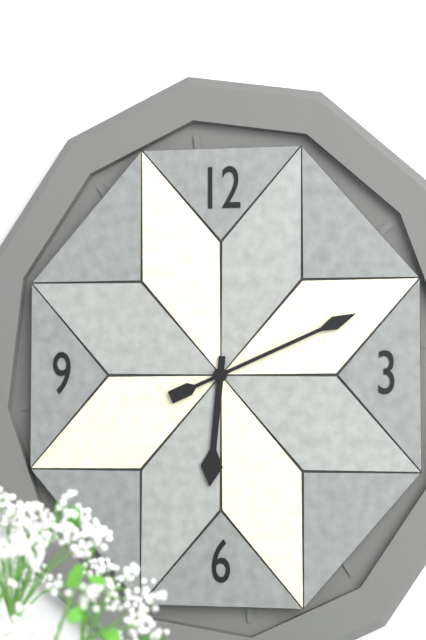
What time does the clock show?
6:11
